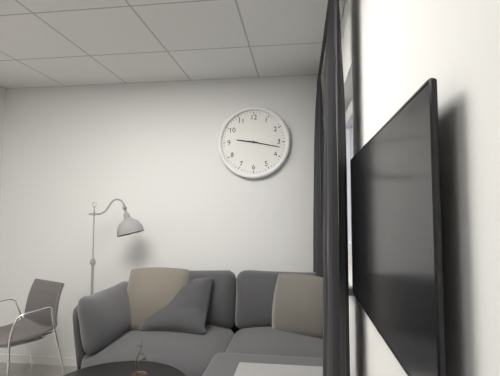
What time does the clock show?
9:17
